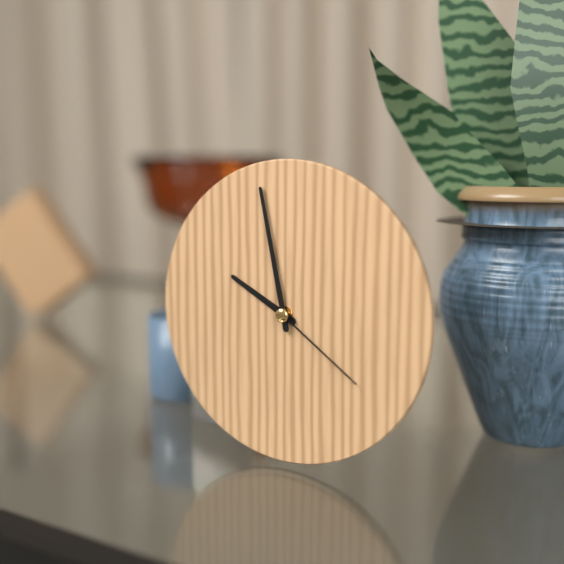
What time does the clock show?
9:58:21
